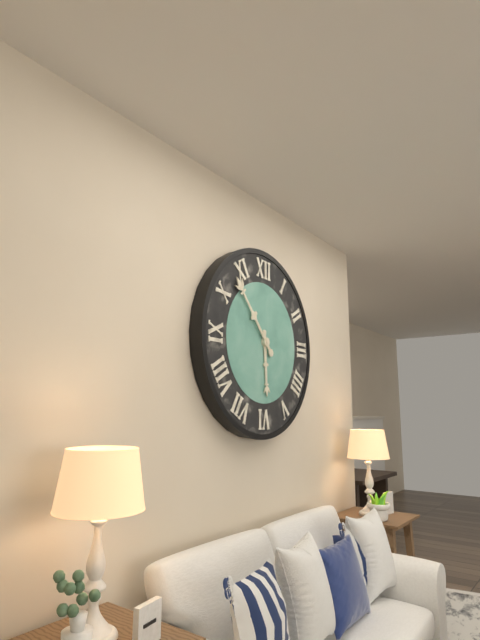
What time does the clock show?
5:53
